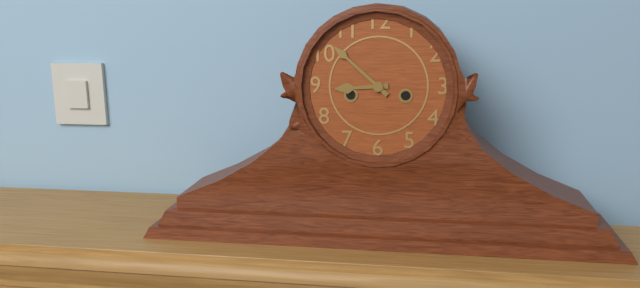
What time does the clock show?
8:52
